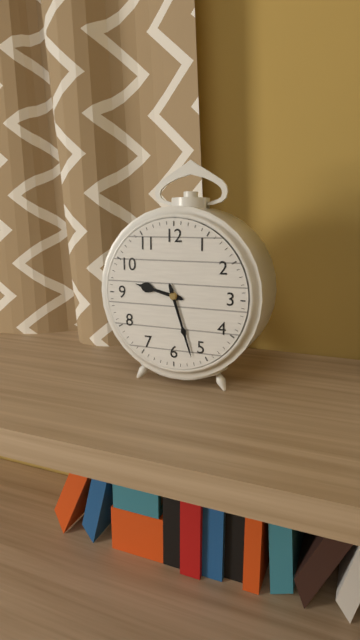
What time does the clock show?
9:27
